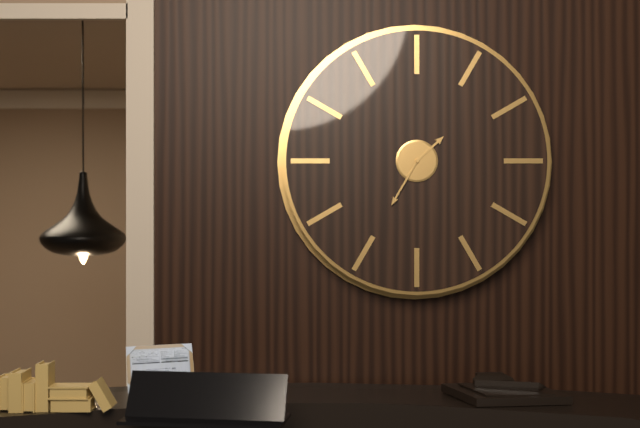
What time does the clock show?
1:35
